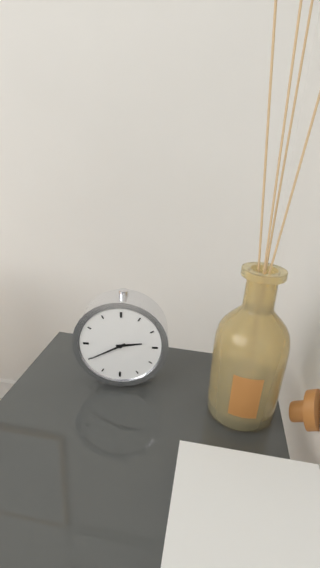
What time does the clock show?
2:40
